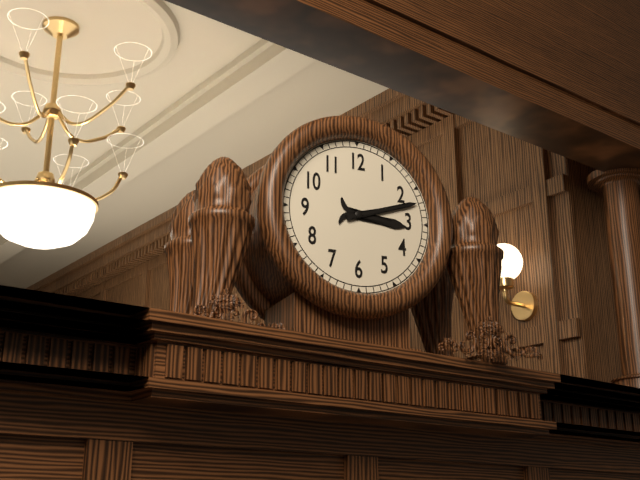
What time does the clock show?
3:12
